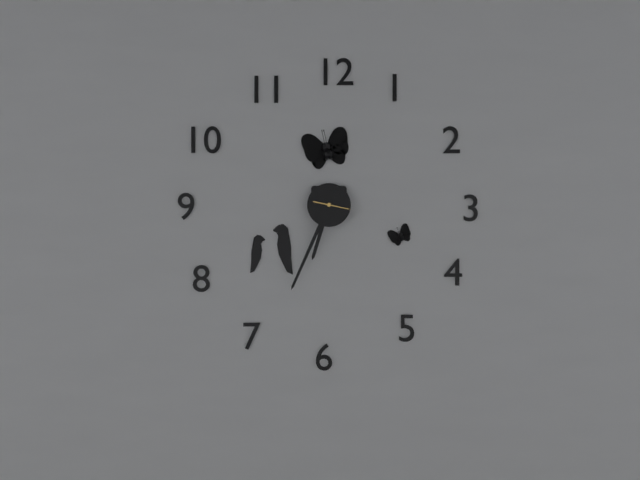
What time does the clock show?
6:34
